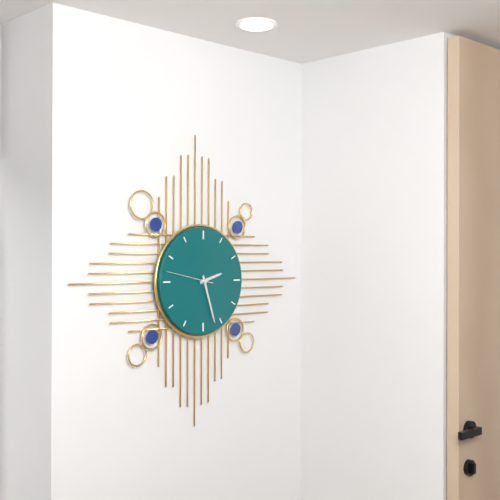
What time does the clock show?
2:27
